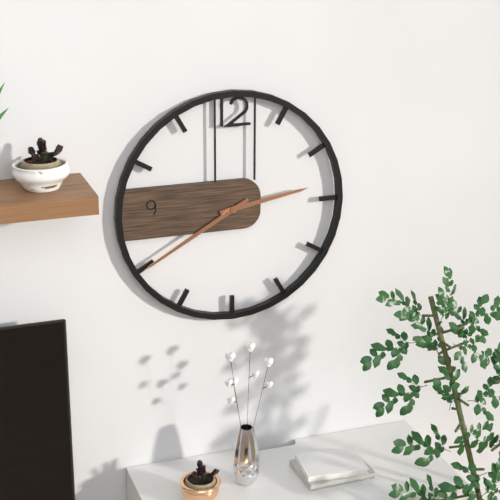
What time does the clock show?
2:40
